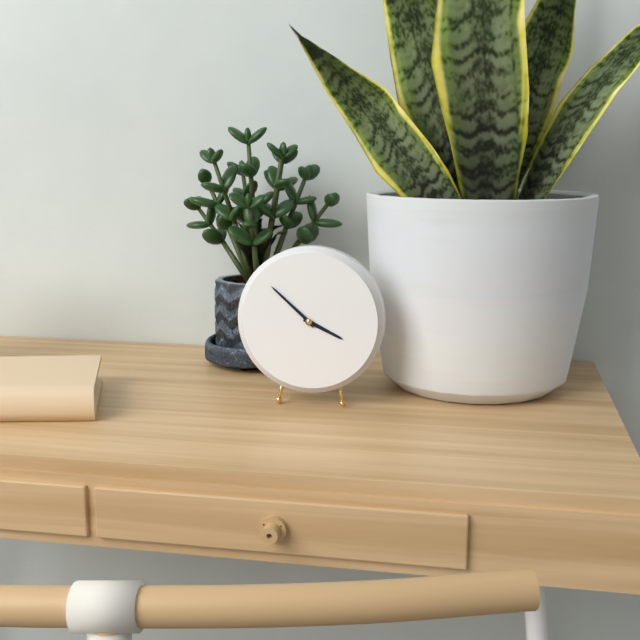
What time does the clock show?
3:52
